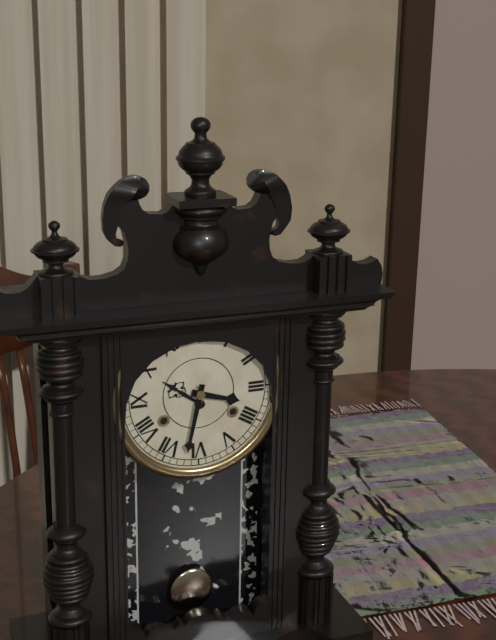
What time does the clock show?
3:32
